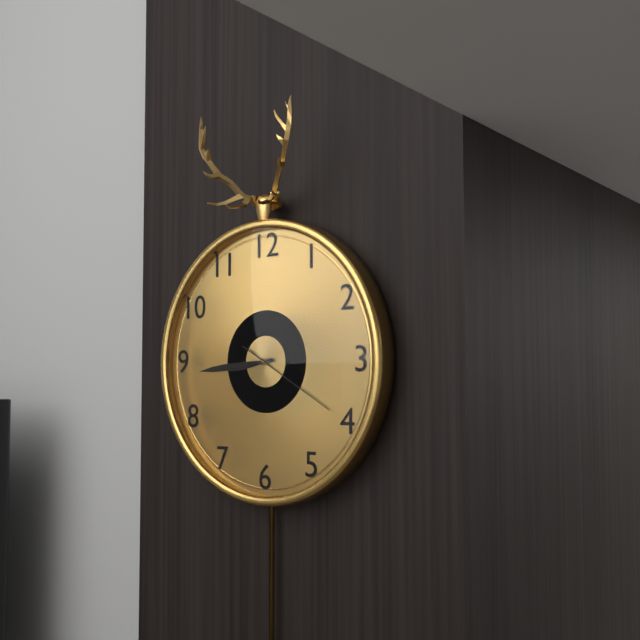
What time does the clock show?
8:44:20
